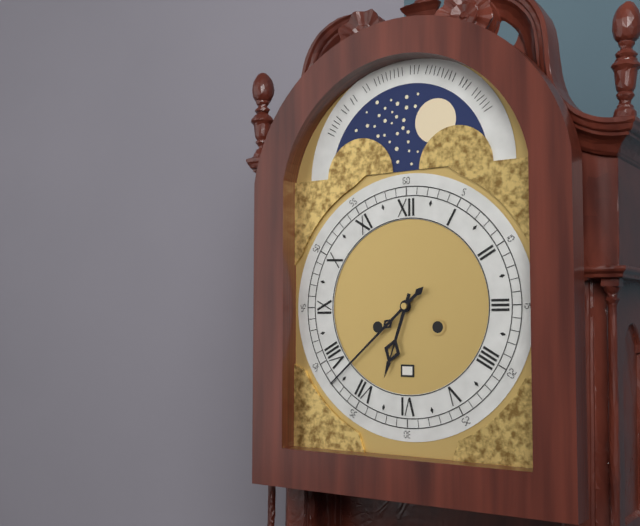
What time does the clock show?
6:38
